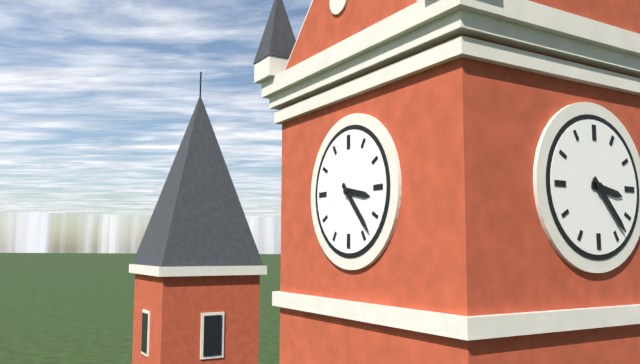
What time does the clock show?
3:23
